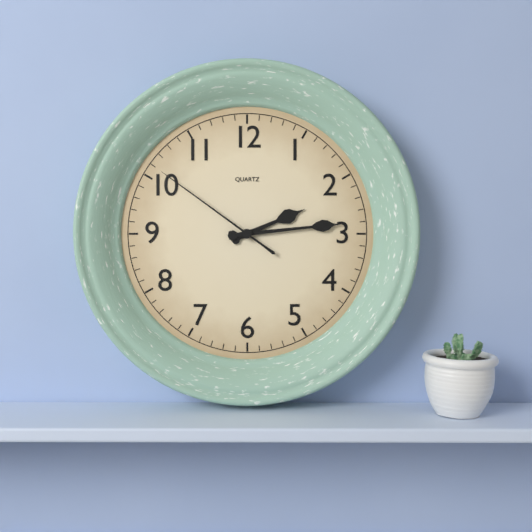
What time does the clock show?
2:14:51
